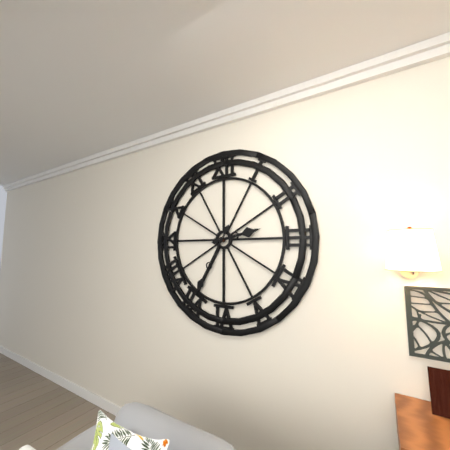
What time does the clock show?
2:35
